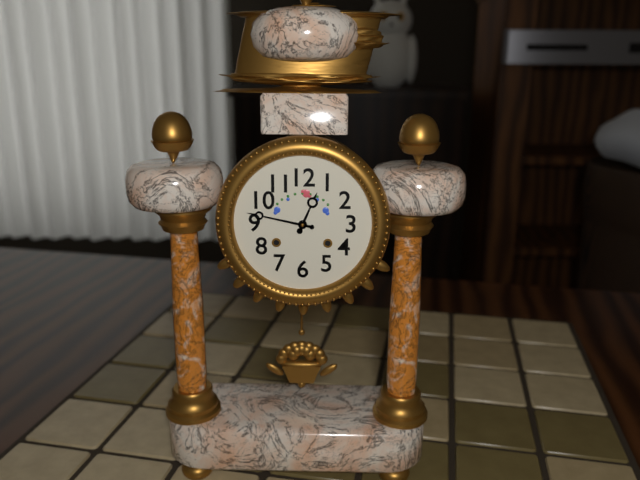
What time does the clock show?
12:47
